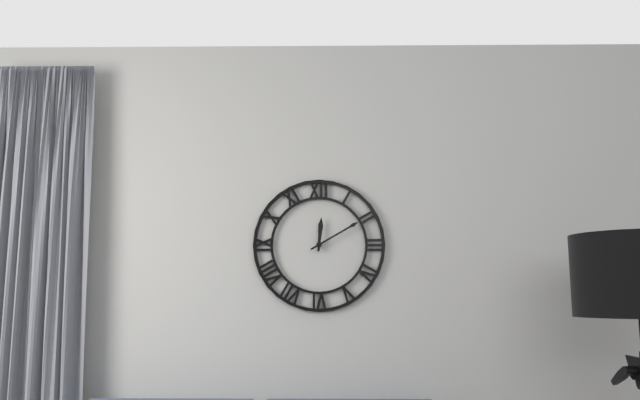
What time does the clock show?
12:10
